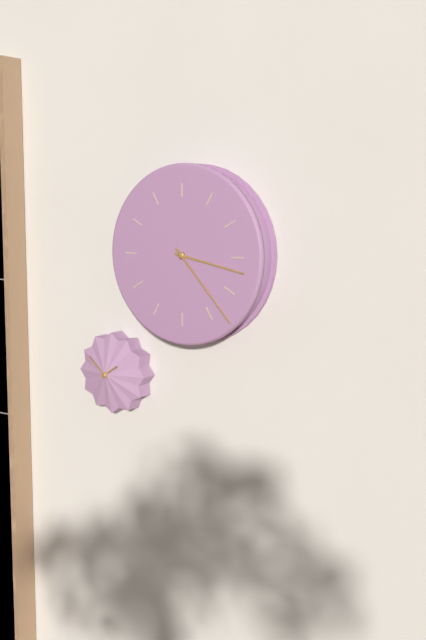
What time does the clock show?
3:23
